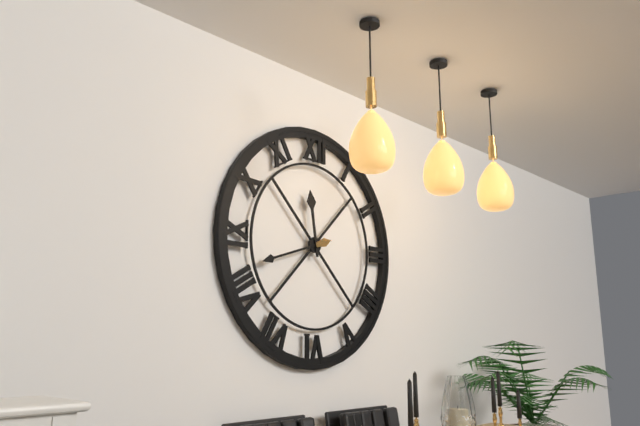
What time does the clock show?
11:42
